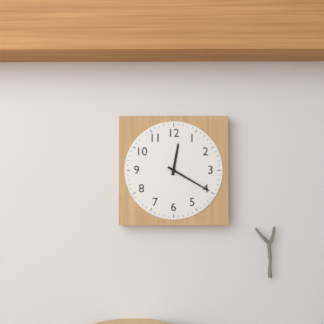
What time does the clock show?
12:20
